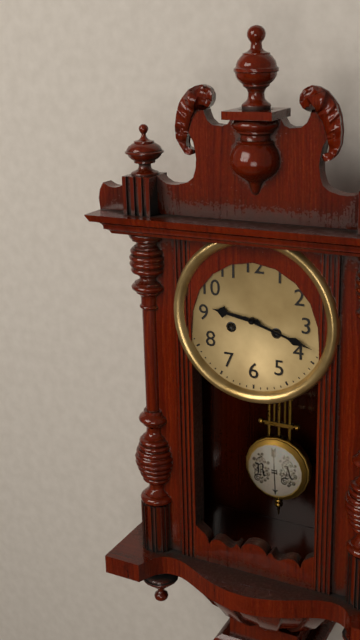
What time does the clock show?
9:18
